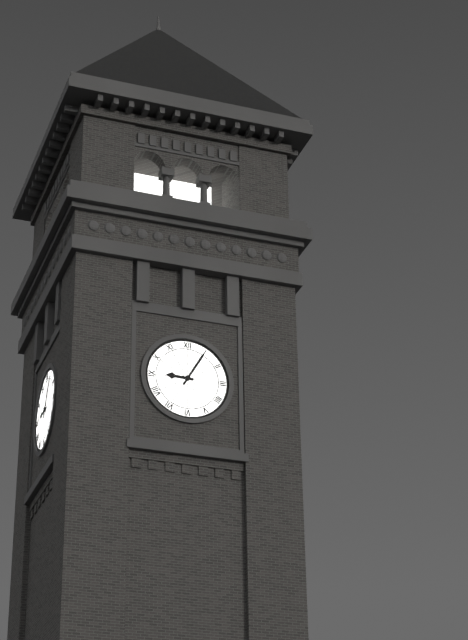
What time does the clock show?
9:05
